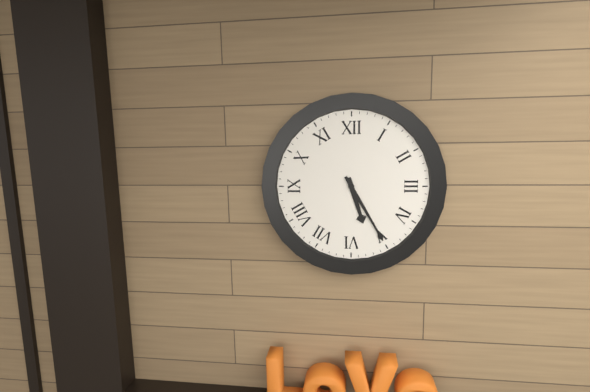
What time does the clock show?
5:25
